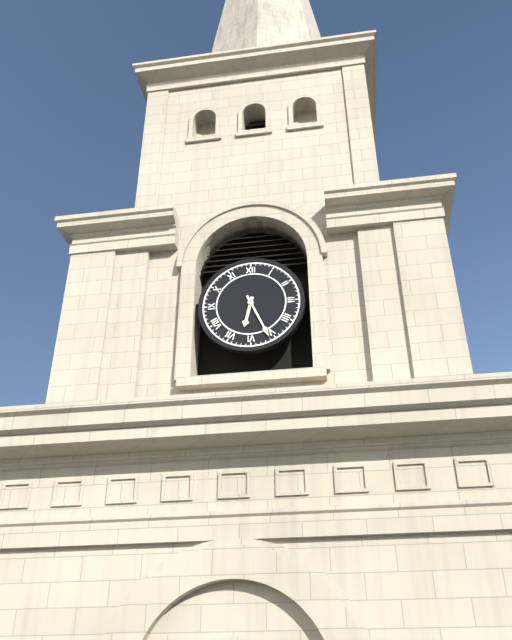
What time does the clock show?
6:26
